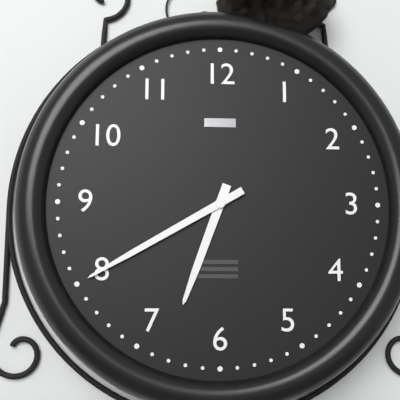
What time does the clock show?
6:40
